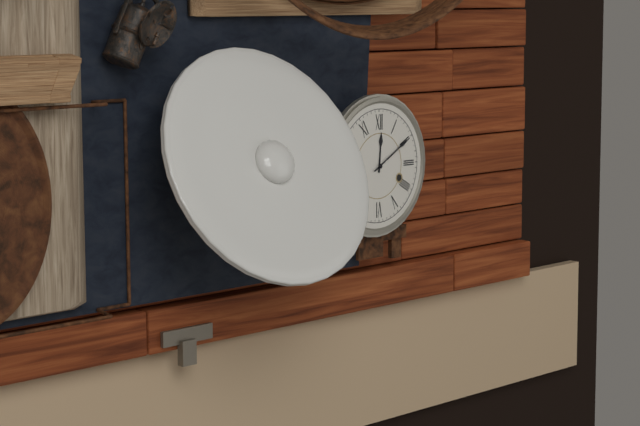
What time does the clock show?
12:10
